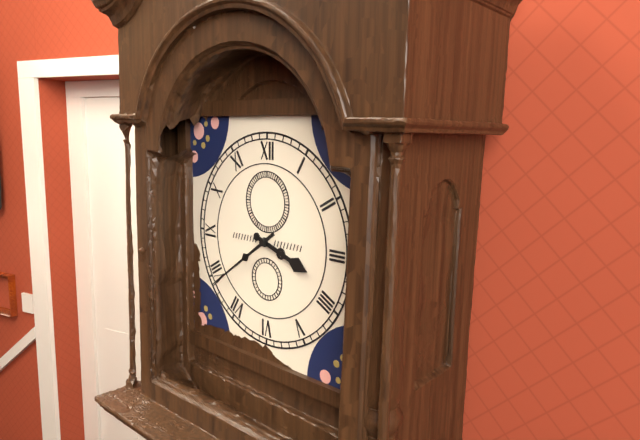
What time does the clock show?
3:39
